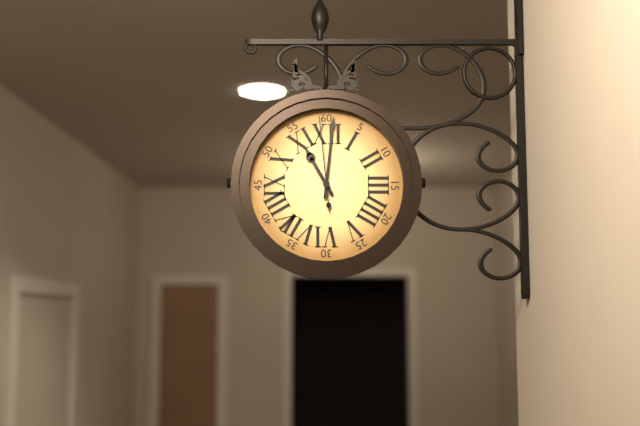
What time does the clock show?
11:01:59
